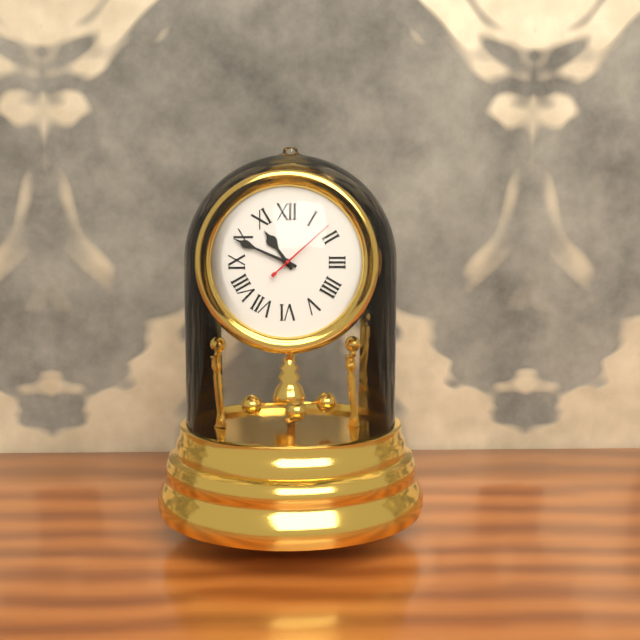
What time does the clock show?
10:49:08
